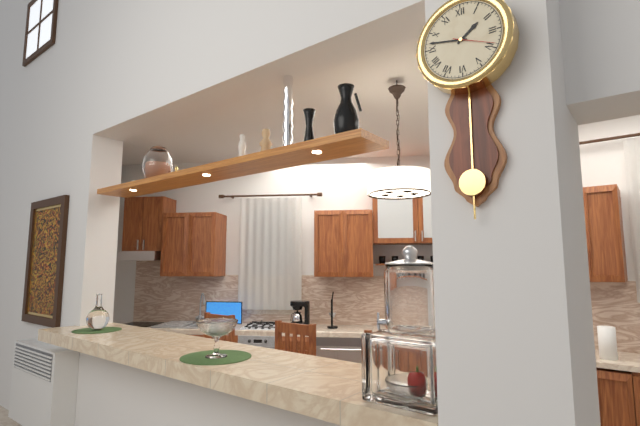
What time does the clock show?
1:47
